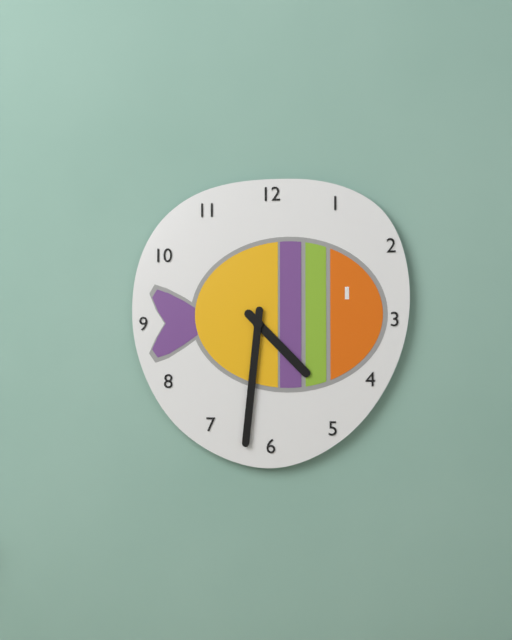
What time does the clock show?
4:31
